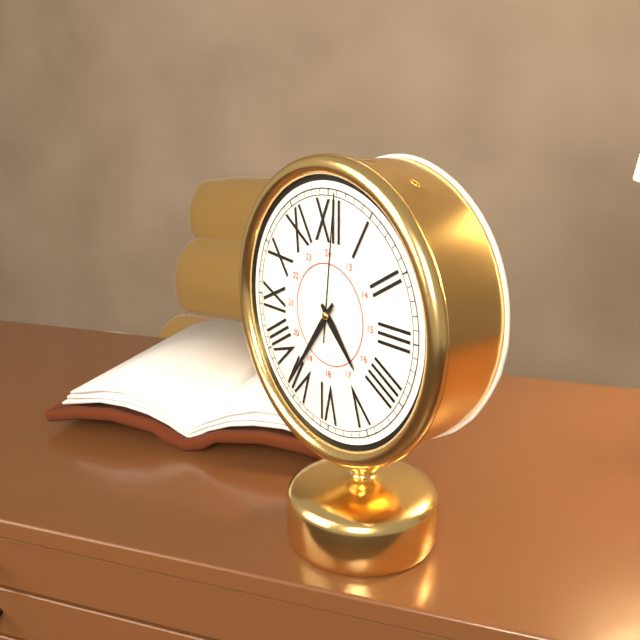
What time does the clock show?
4:36:01
